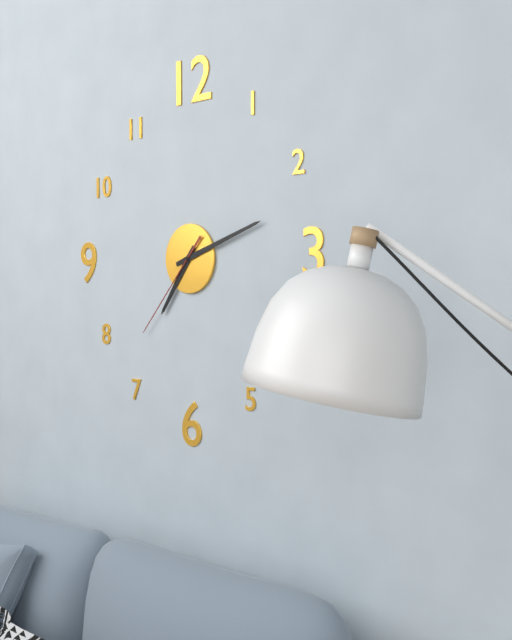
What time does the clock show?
7:12:37
